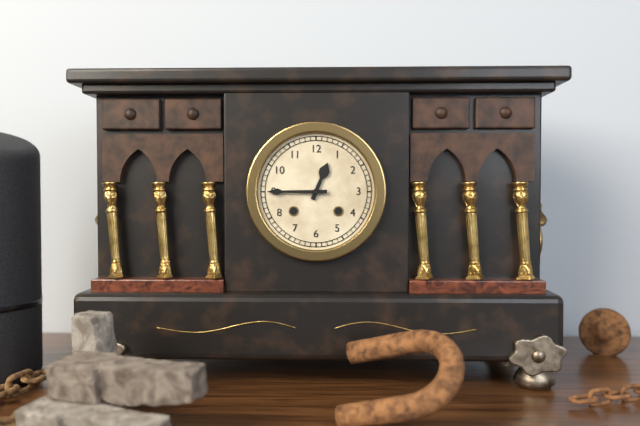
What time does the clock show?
12:45
